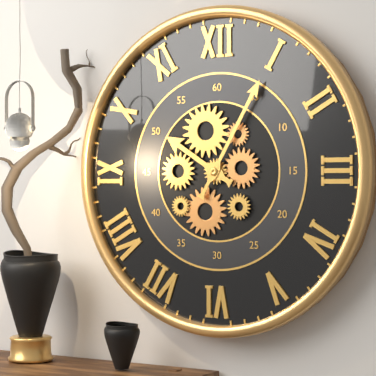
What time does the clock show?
10:05
